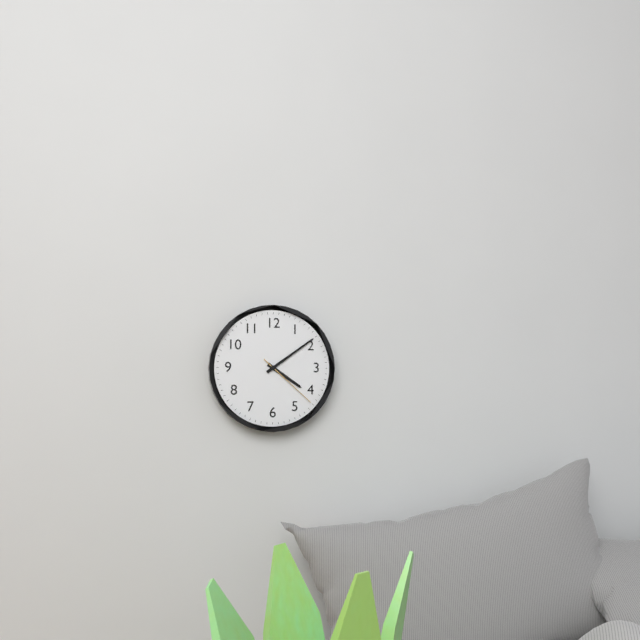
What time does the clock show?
4:09:22
